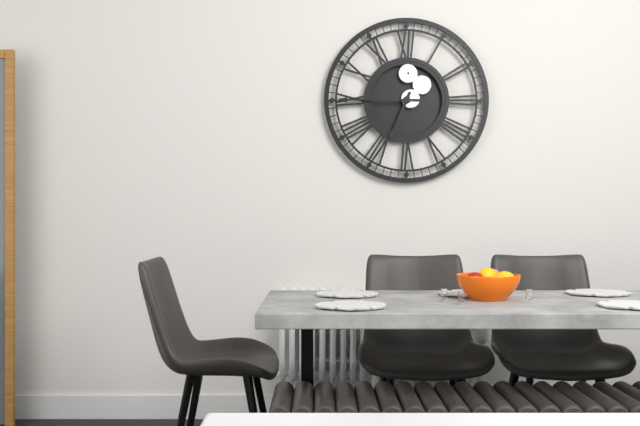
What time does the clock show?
6:45
